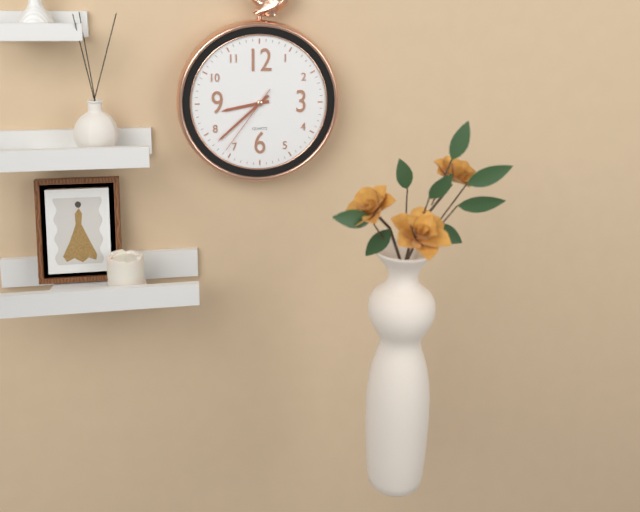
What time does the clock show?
8:38:36
